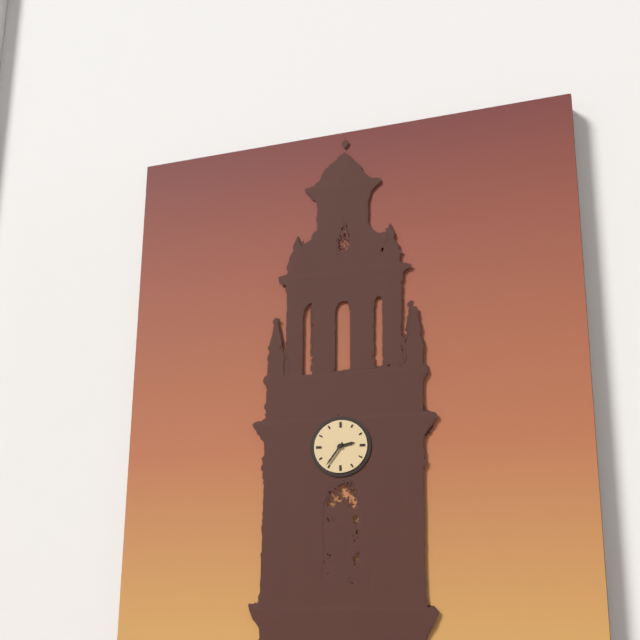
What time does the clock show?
2:36
